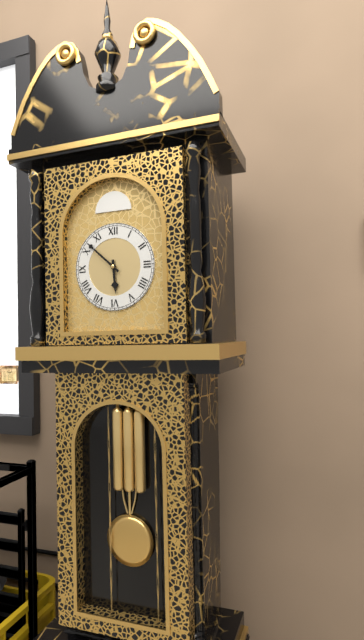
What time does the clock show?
5:52
